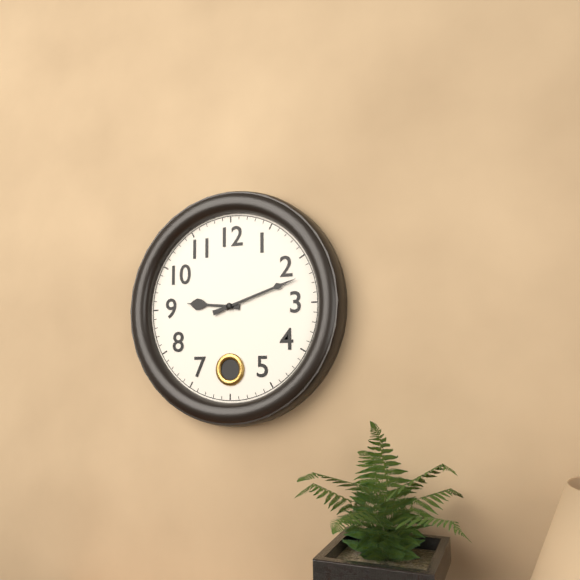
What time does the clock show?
9:12
